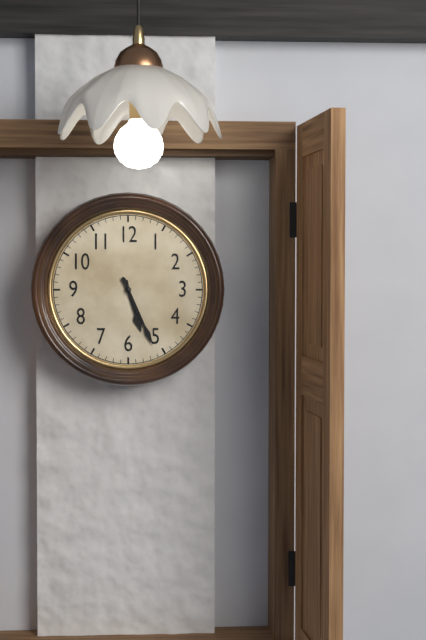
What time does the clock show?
5:26
